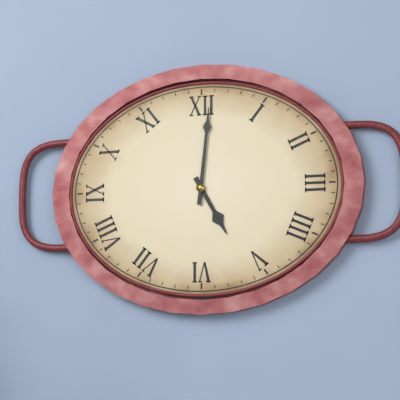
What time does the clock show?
5:01
